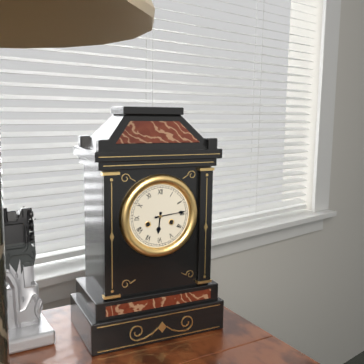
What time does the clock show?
6:14
